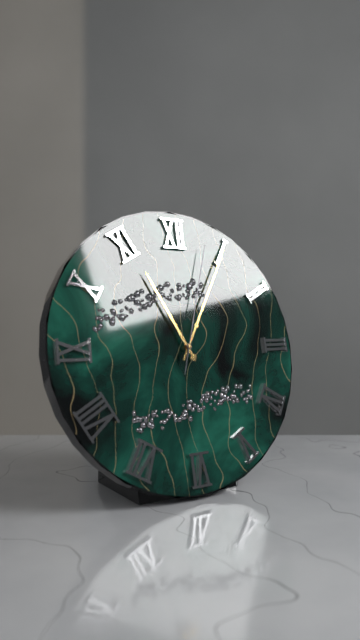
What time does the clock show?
11:05:03
